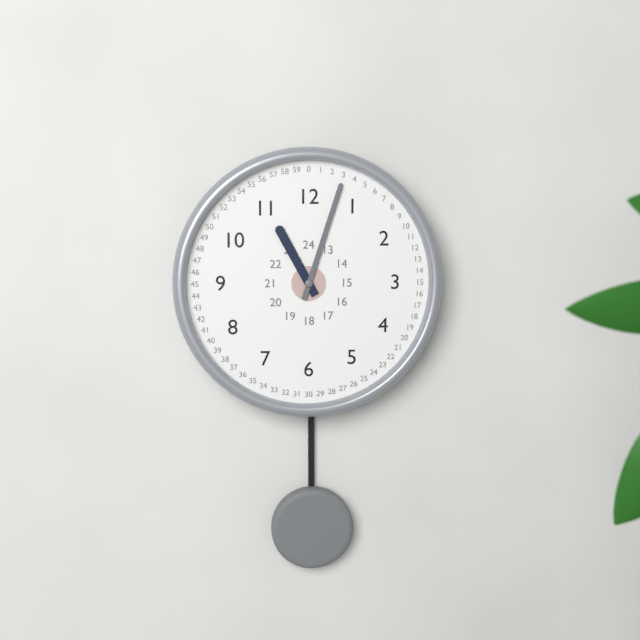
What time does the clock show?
11:03
